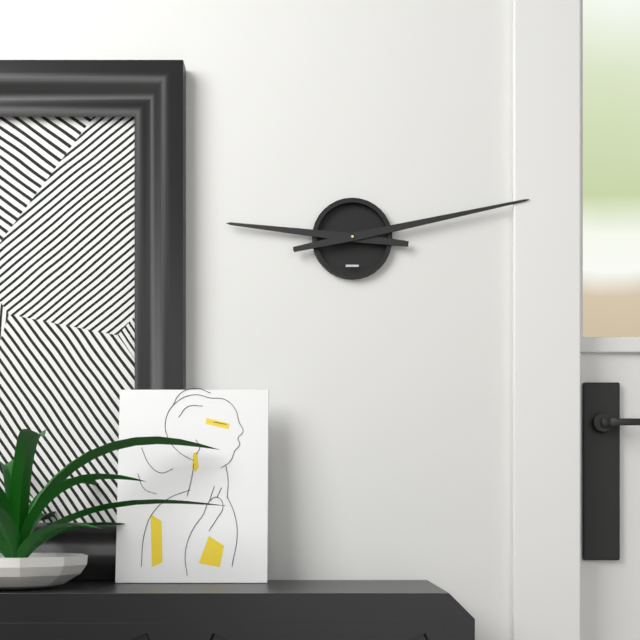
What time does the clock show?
9:13
